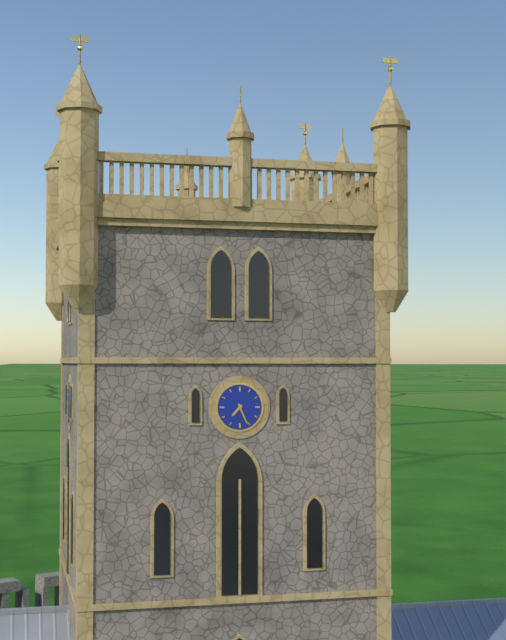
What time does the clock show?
7:26
